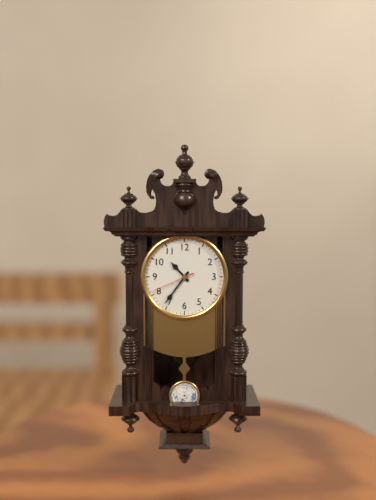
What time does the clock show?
10:36
